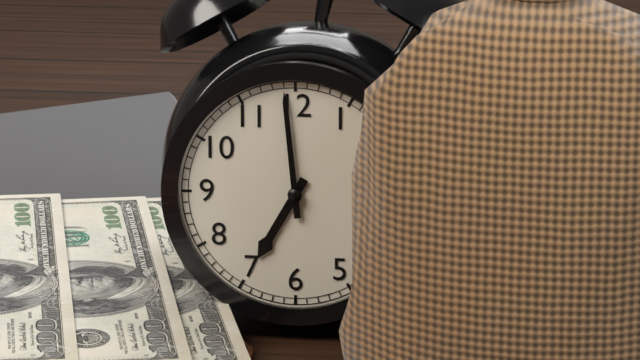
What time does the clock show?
6:59
